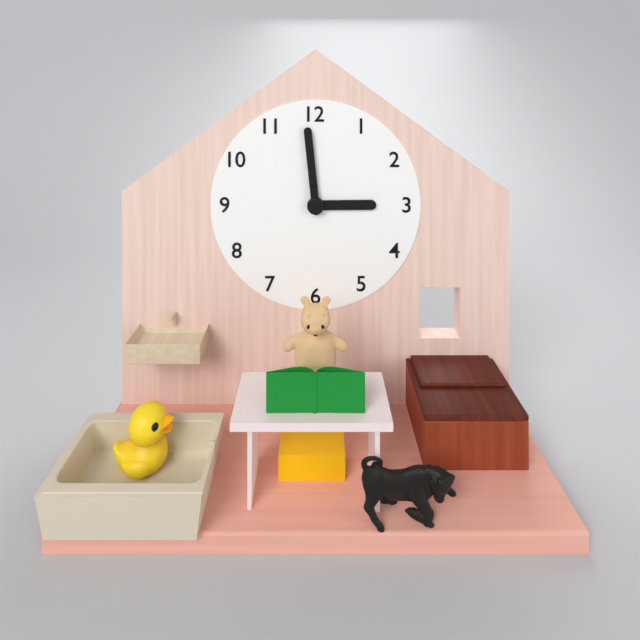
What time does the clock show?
2:59
